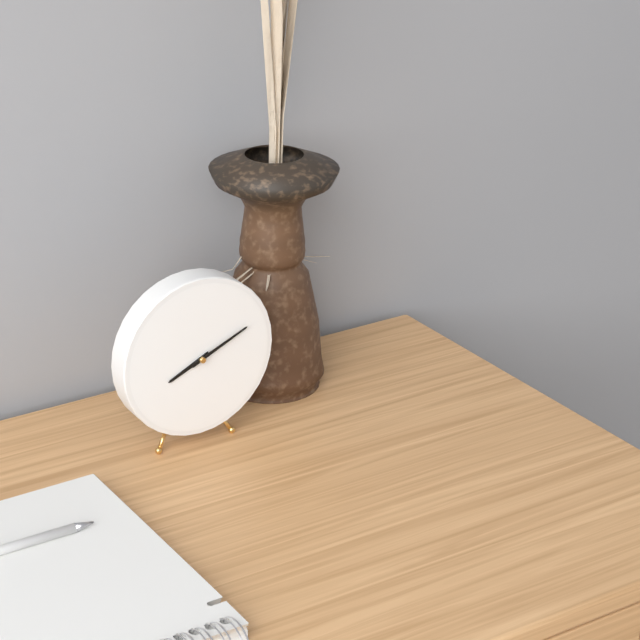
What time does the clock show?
8:11
